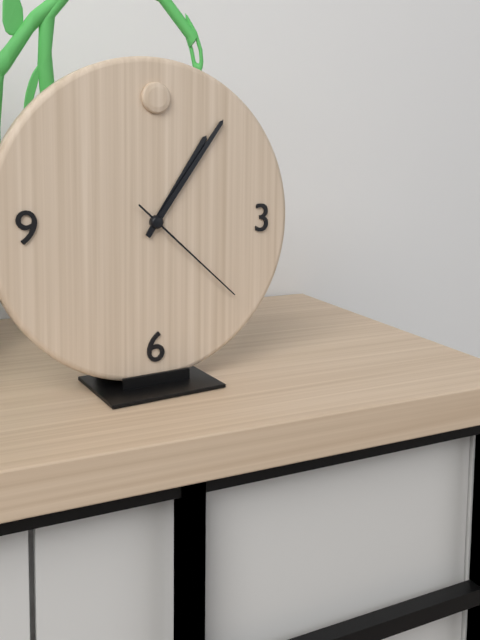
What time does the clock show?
1:06:22
